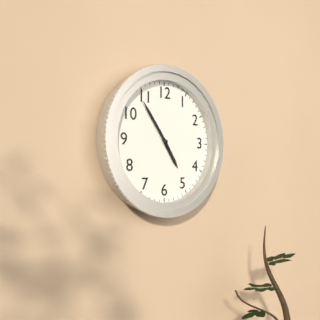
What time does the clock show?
4:54
